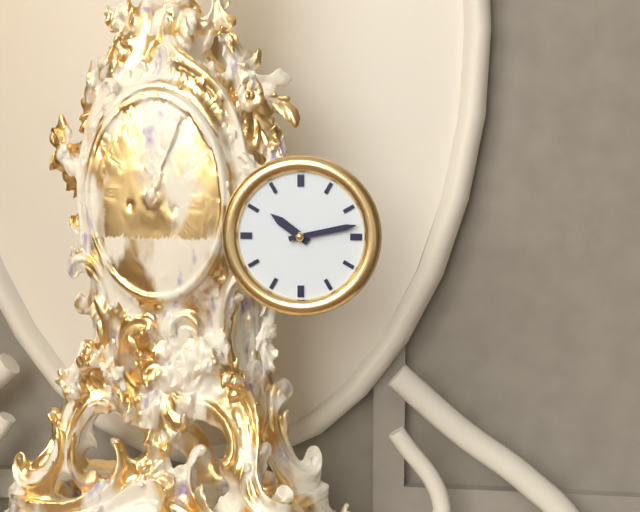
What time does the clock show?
10:13
